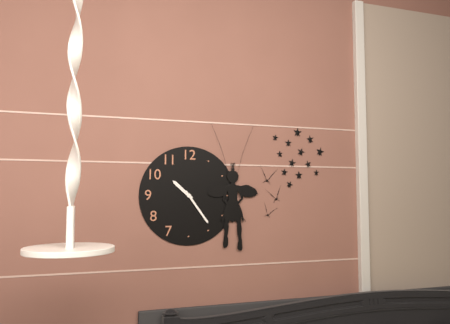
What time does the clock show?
10:24
